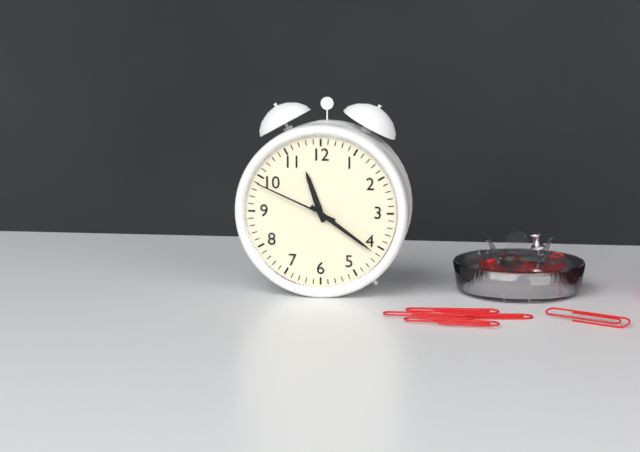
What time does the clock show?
11:21:49
